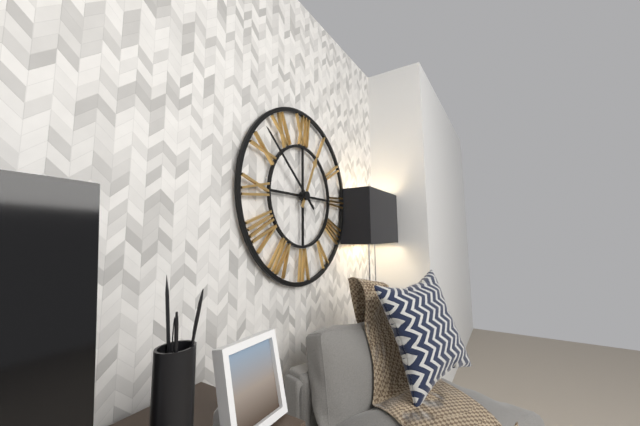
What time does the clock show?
12:52
